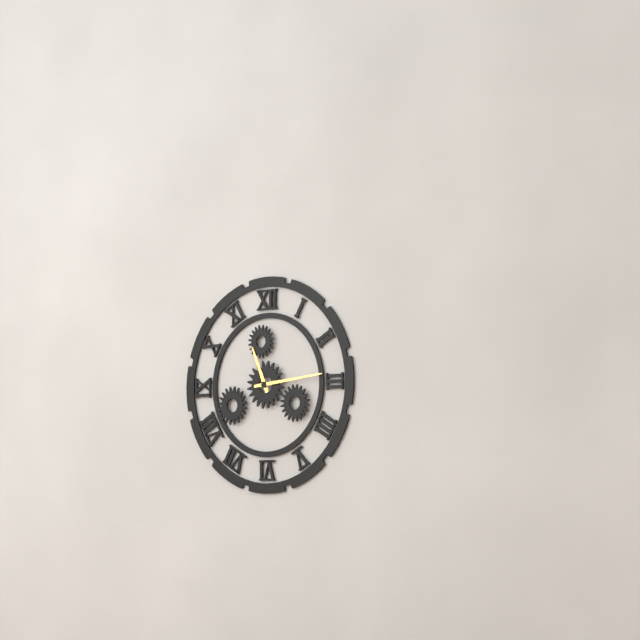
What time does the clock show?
11:14
